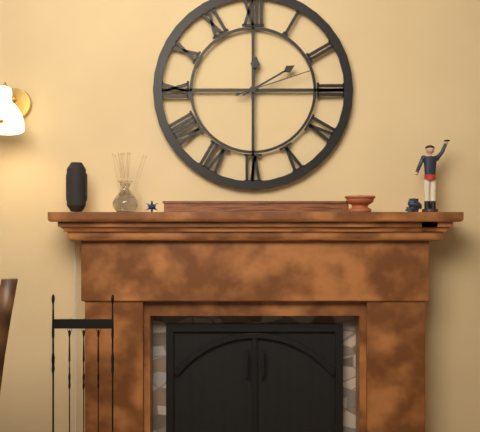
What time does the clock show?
12:10:12
